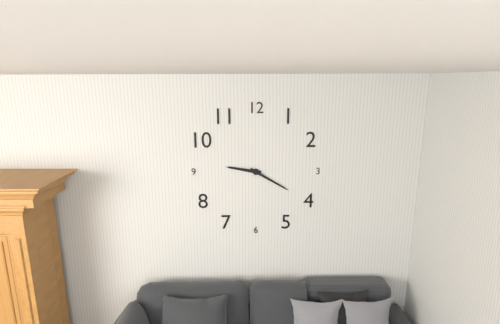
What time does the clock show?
9:20
